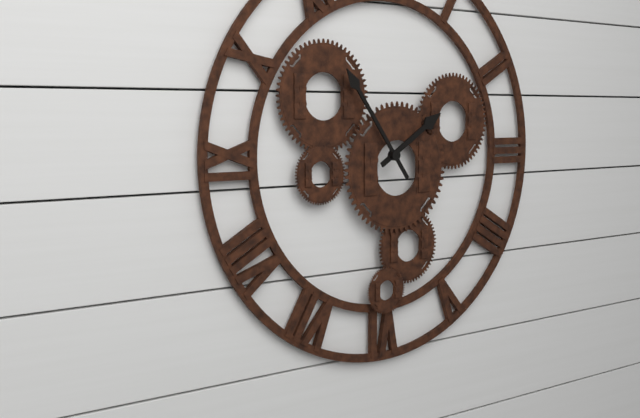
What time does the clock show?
1:54
